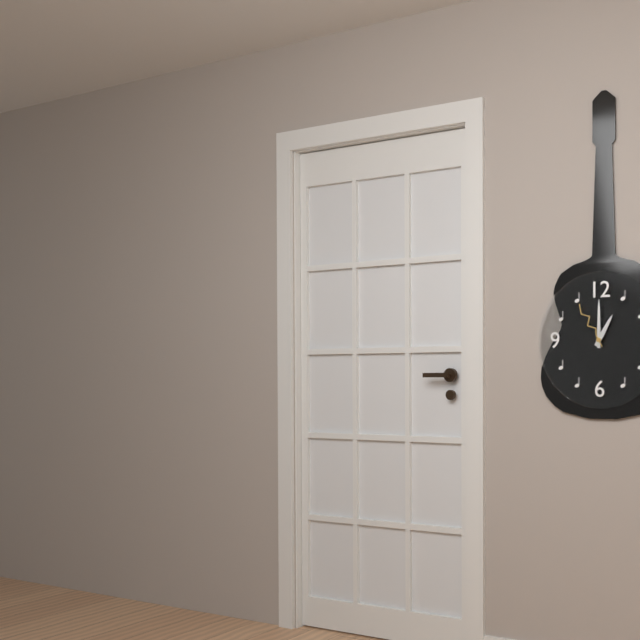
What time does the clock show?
1:00:55
